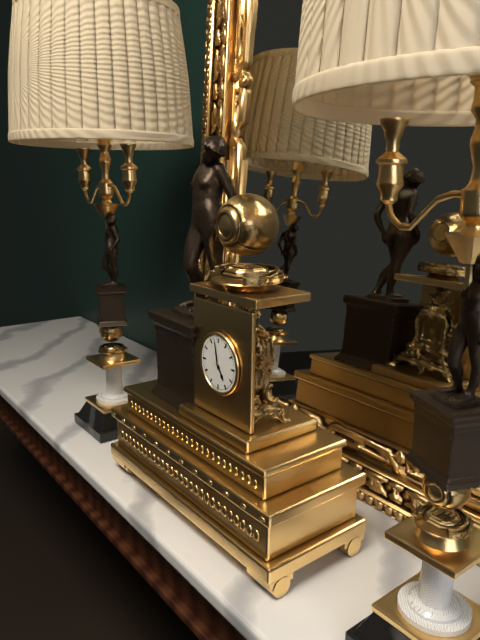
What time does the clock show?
4:58
